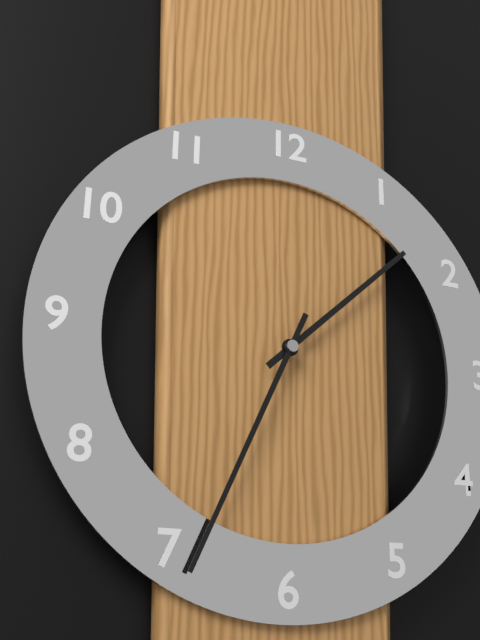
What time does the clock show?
1:34
